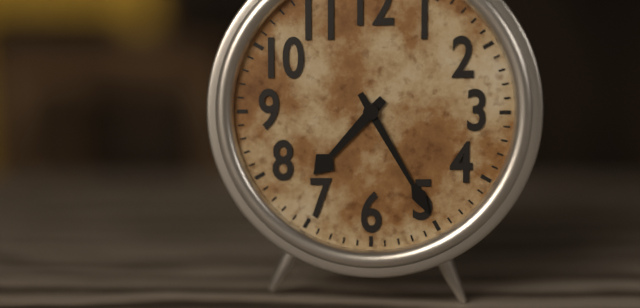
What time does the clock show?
7:25
